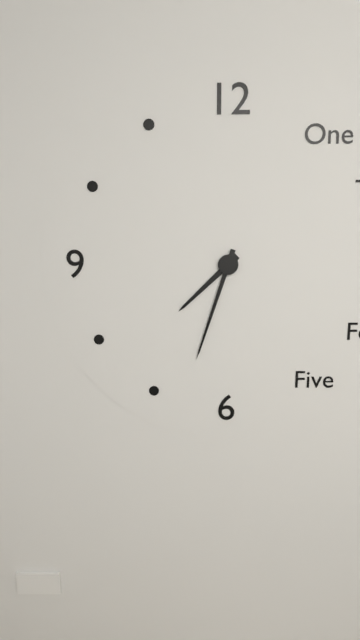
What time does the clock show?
7:33
